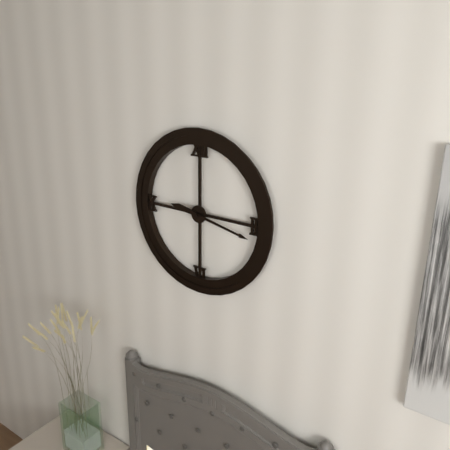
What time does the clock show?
9:17
